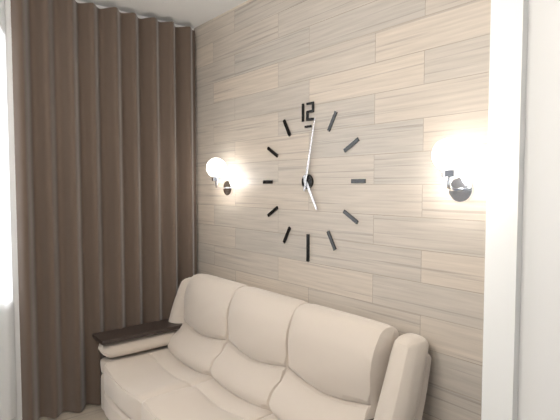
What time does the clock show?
5:02
